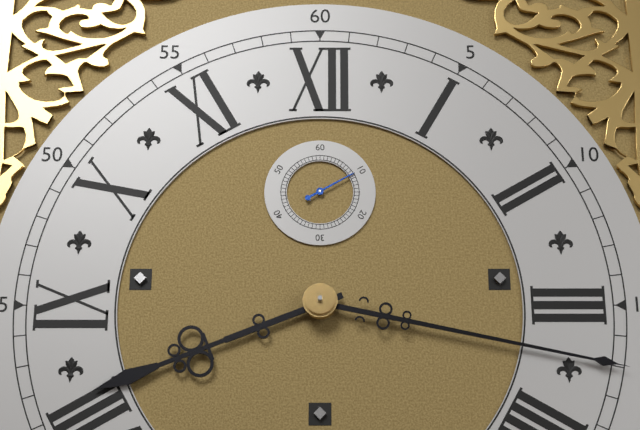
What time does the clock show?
8:17:10
